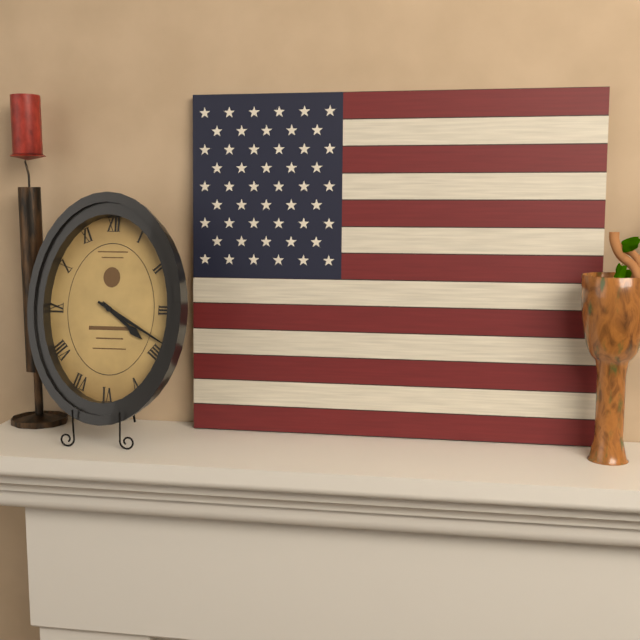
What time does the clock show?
4:20
